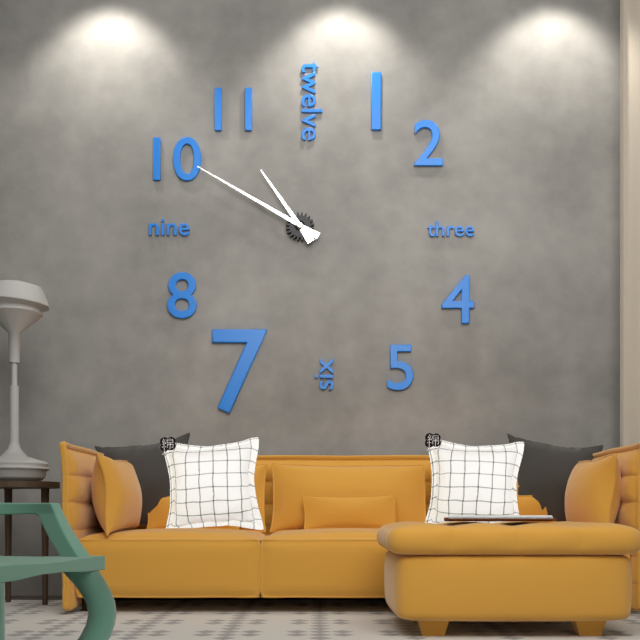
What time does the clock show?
10:50
